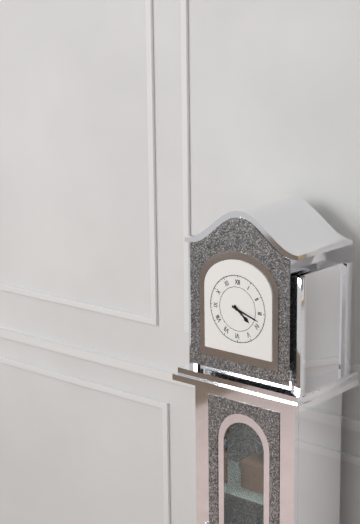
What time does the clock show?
4:18
